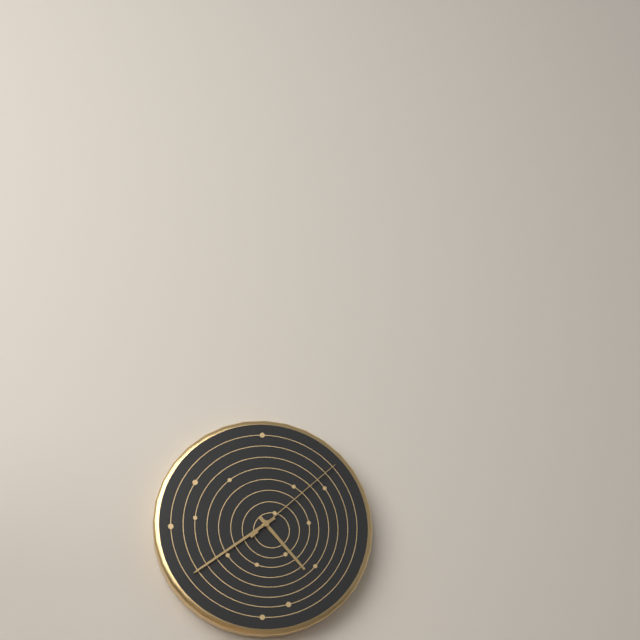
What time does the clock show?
4:39:08
